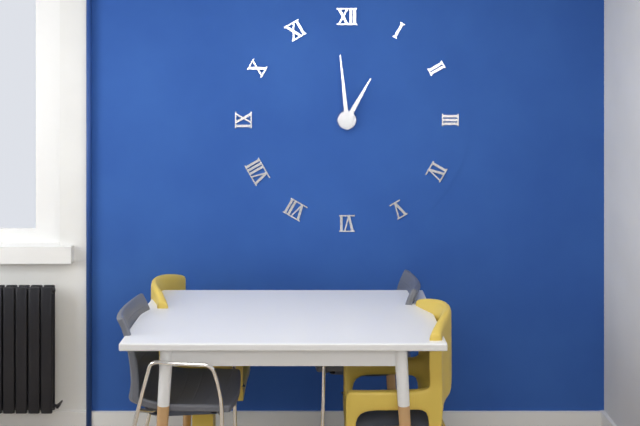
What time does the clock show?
12:59
